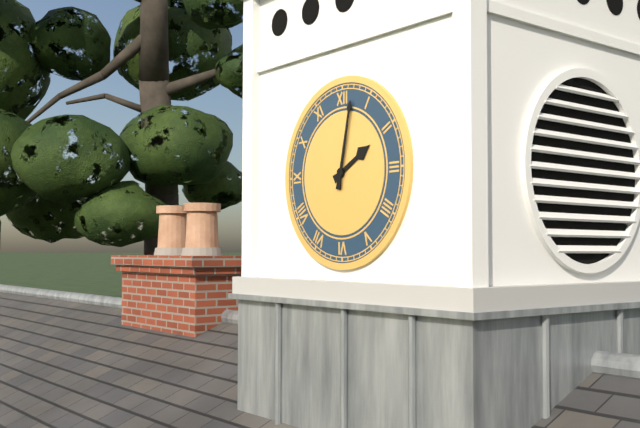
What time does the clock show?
2:02
